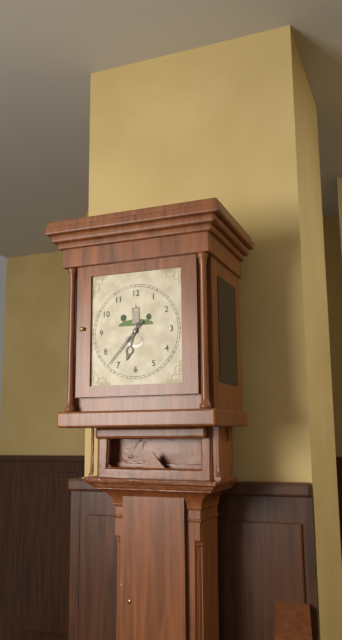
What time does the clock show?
6:37
